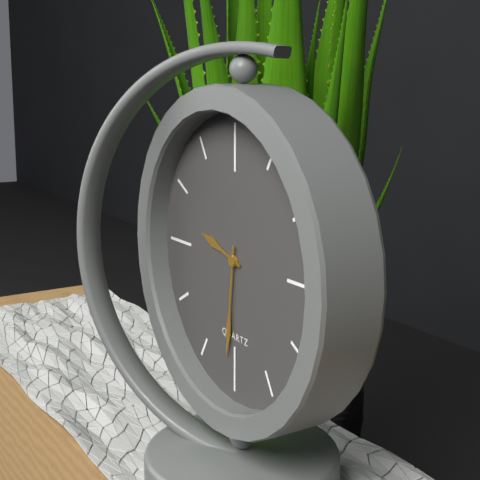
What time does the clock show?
9:31
